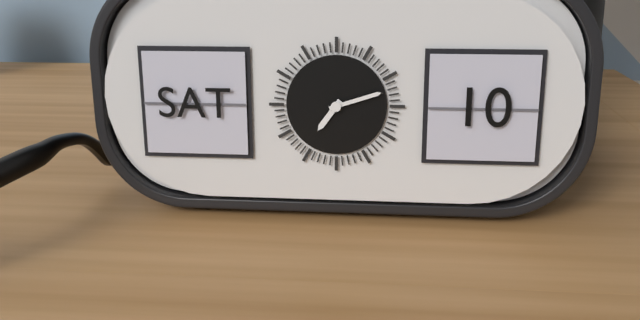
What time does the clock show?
7:12
